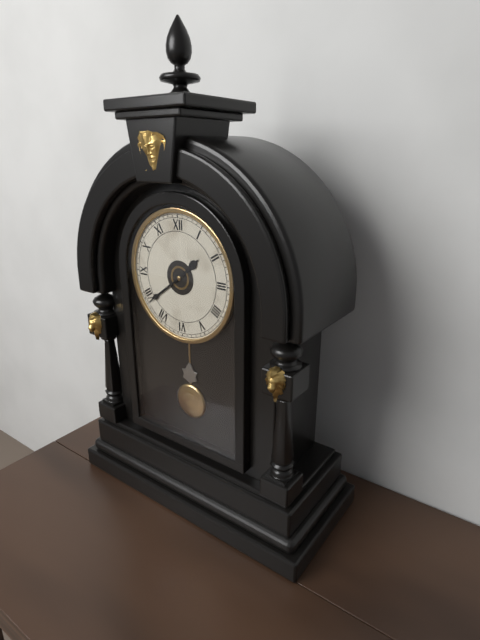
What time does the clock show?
1:39
